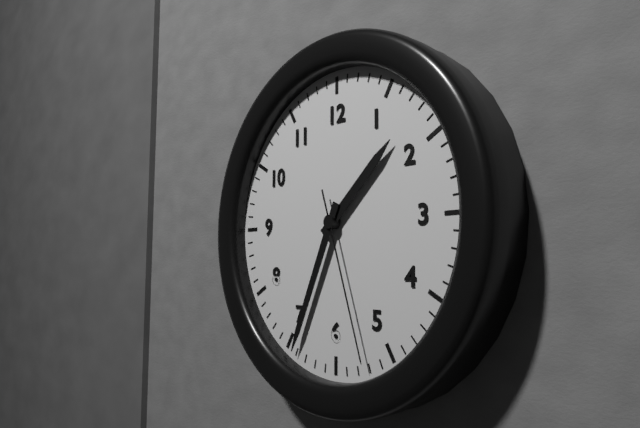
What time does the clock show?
1:34:27
